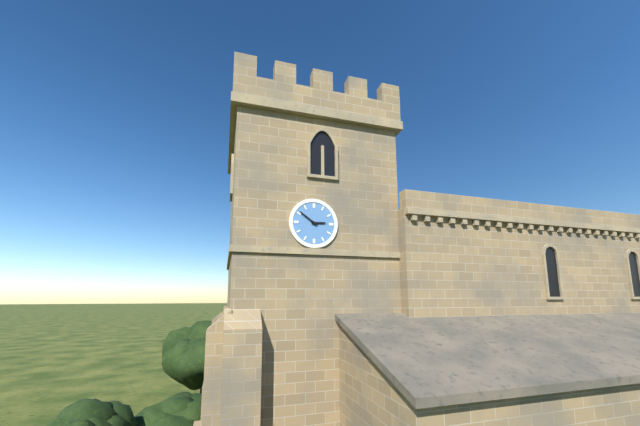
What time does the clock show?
2:51
